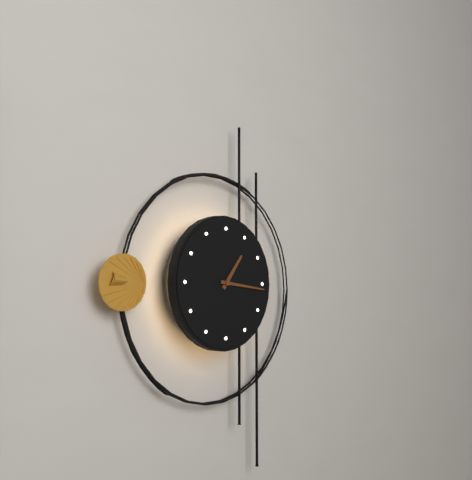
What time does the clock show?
1:16
